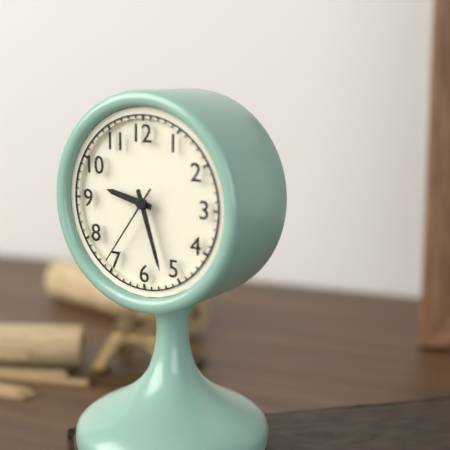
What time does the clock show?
9:27:36
